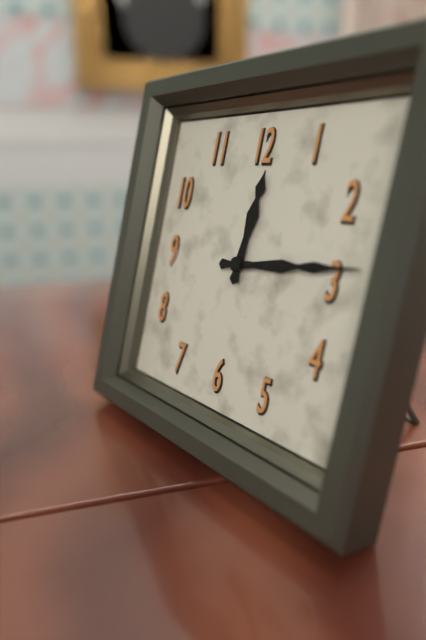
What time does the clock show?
12:14
